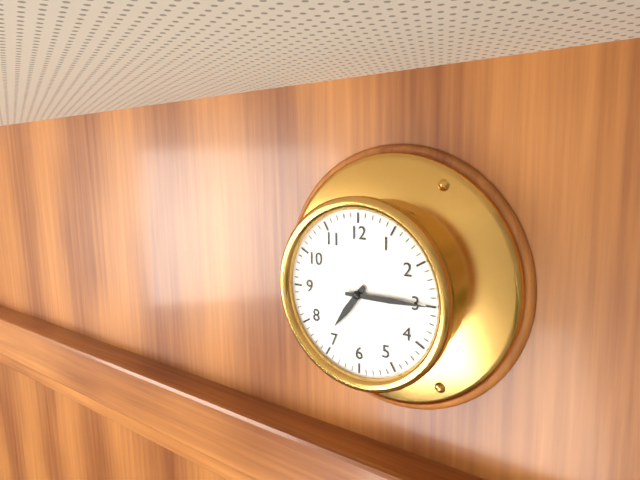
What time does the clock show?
7:15
